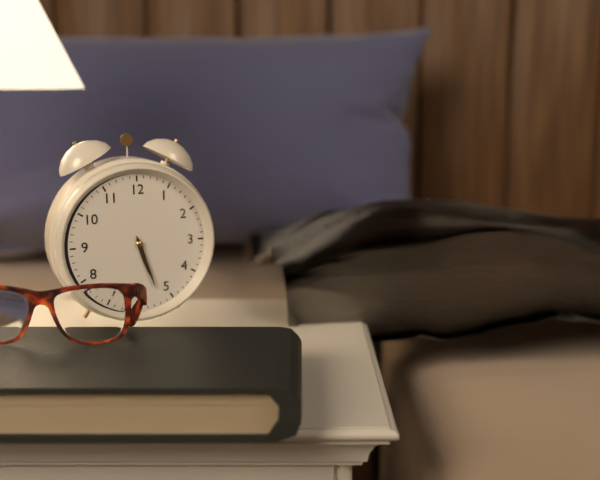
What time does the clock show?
5:27
